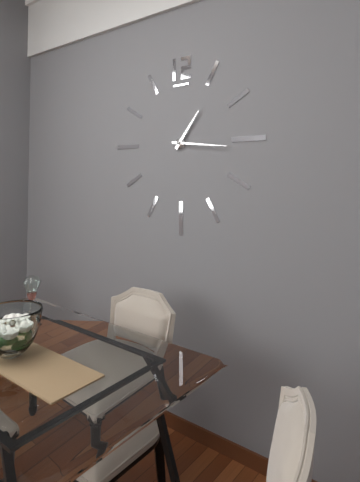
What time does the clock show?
1:16
